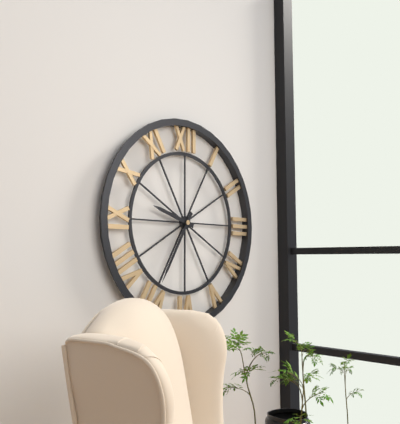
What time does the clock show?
9:35
